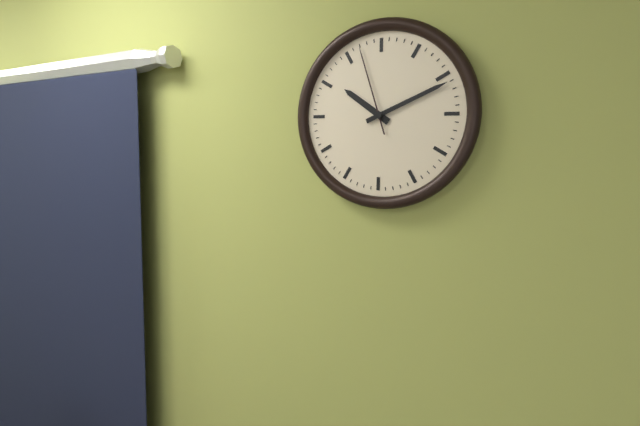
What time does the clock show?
10:11:57
